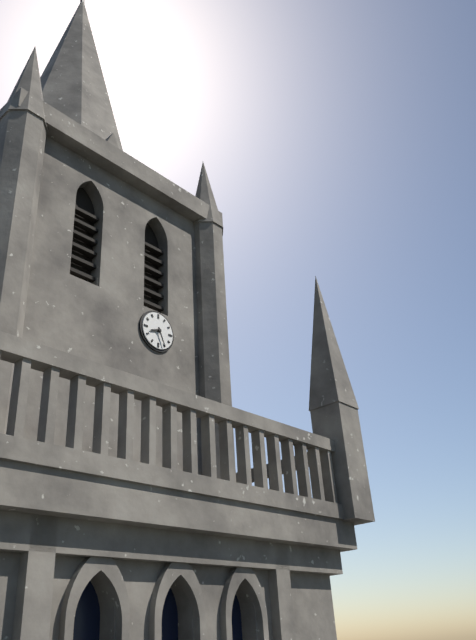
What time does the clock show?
8:26
